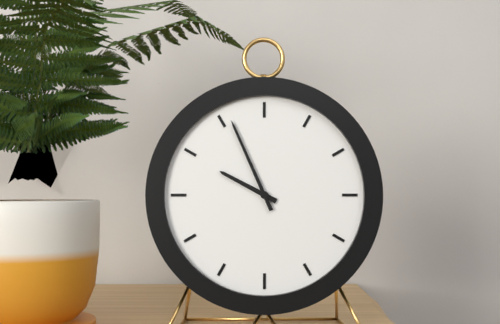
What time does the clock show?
9:56
